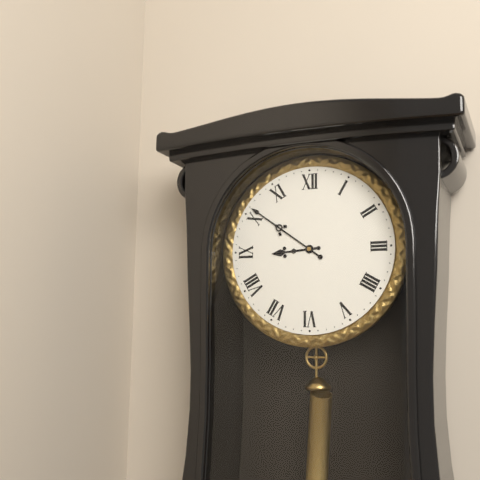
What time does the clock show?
8:51
